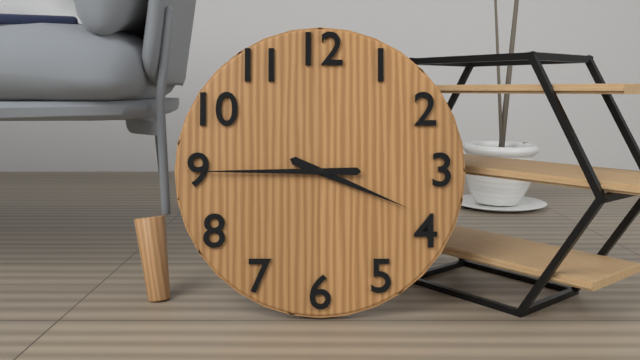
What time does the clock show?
3:45
